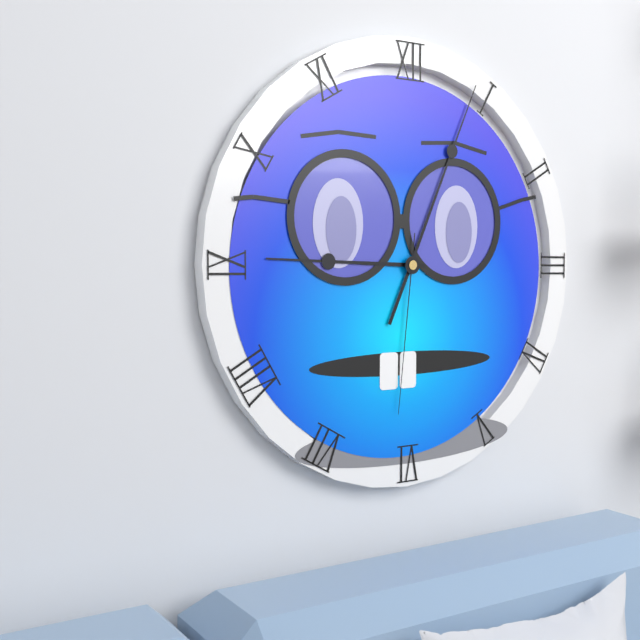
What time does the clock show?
9:04:31
